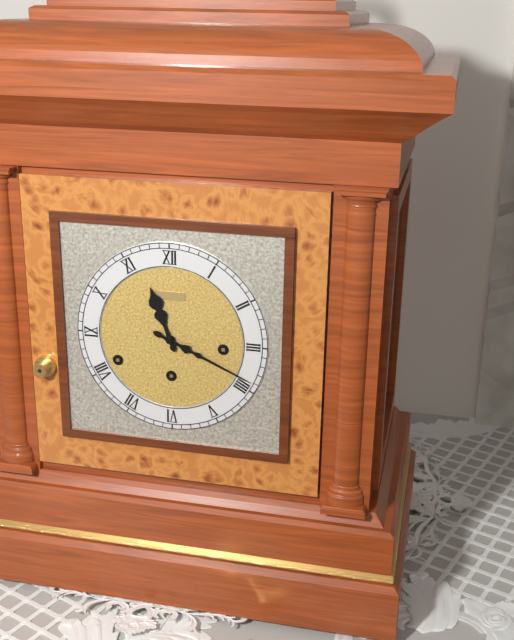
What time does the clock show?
11:19
